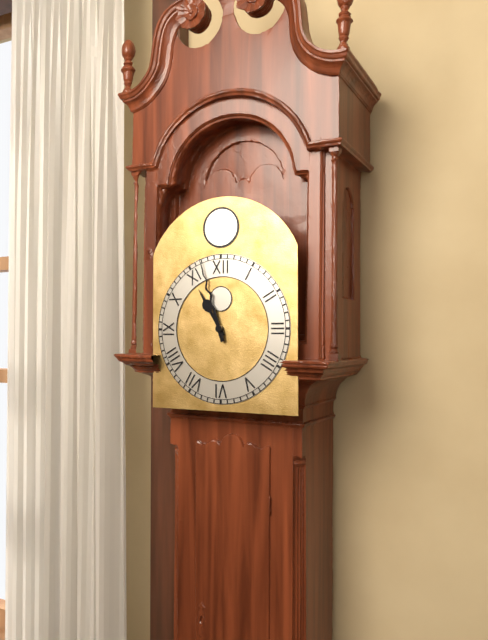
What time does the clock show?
10:57
